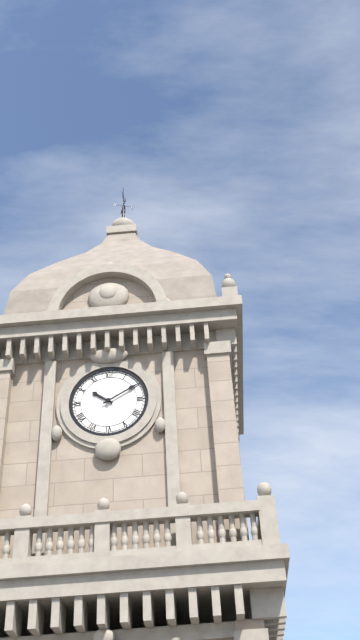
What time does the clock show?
10:10
